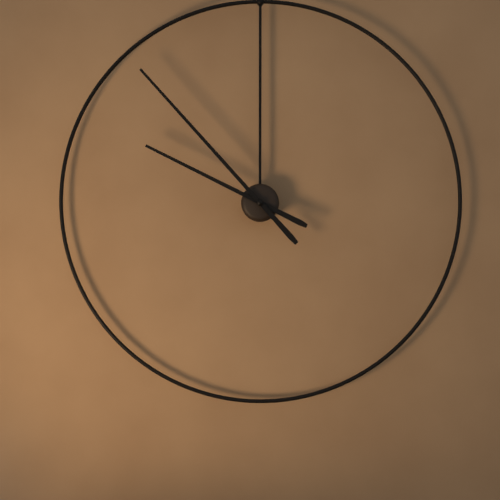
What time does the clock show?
9:53
